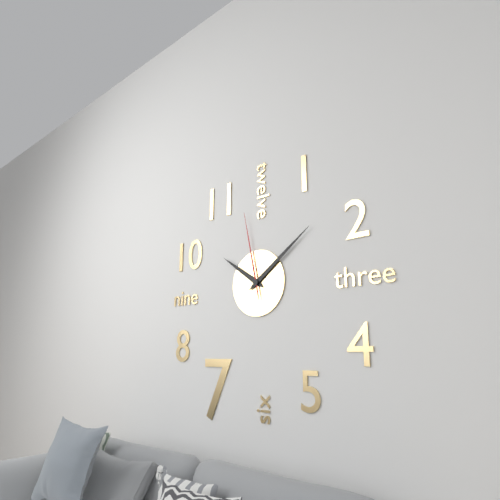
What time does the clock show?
10:09:58
